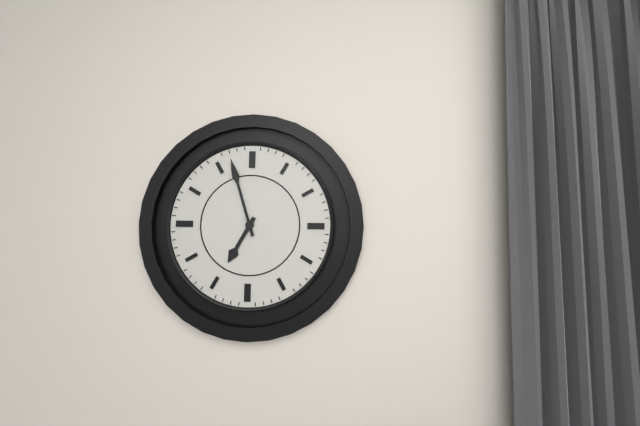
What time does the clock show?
6:57
